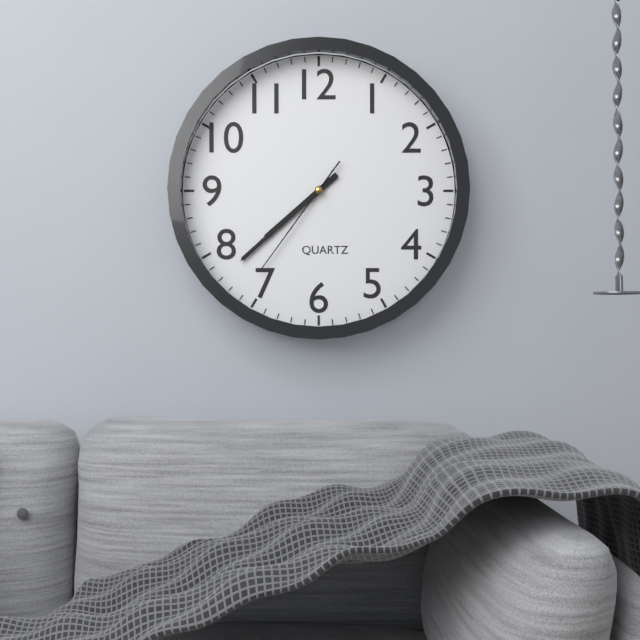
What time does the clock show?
7:38:36
